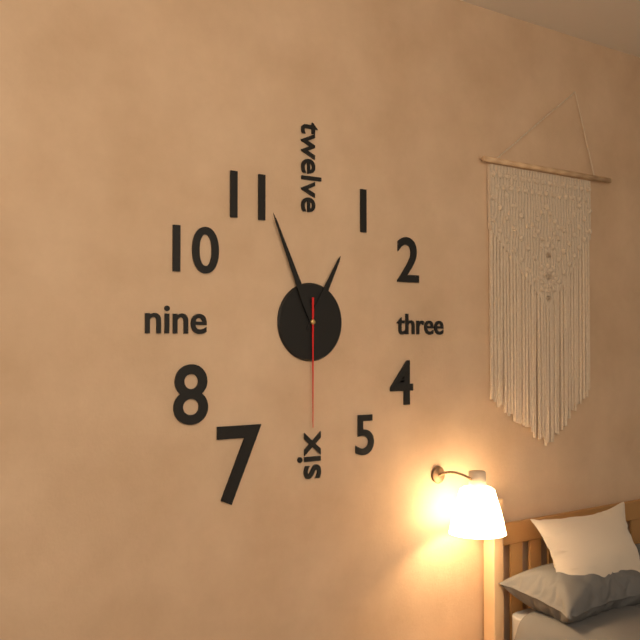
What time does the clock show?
12:56:30
